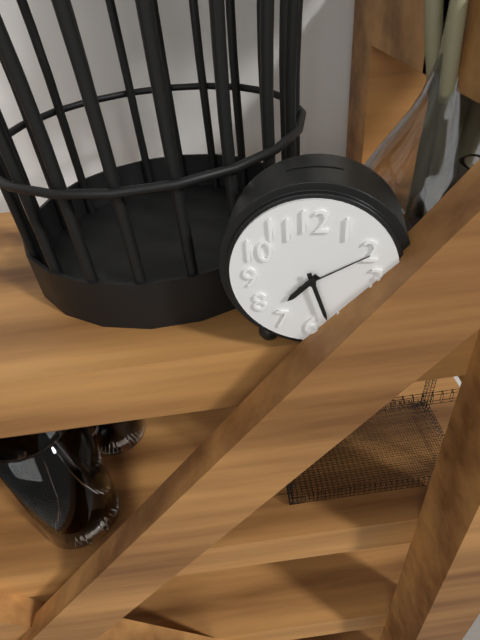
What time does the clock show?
7:27:10
